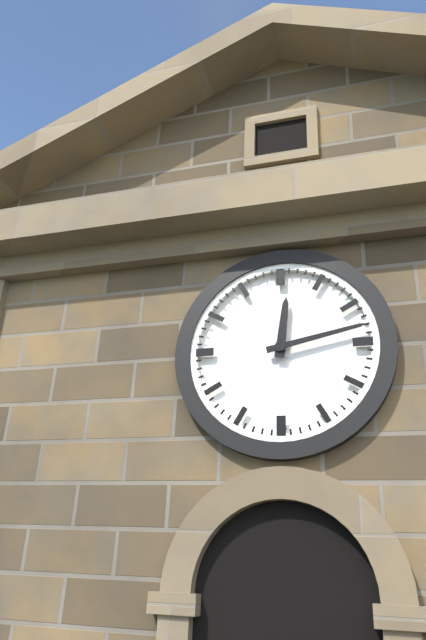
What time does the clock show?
12:13
